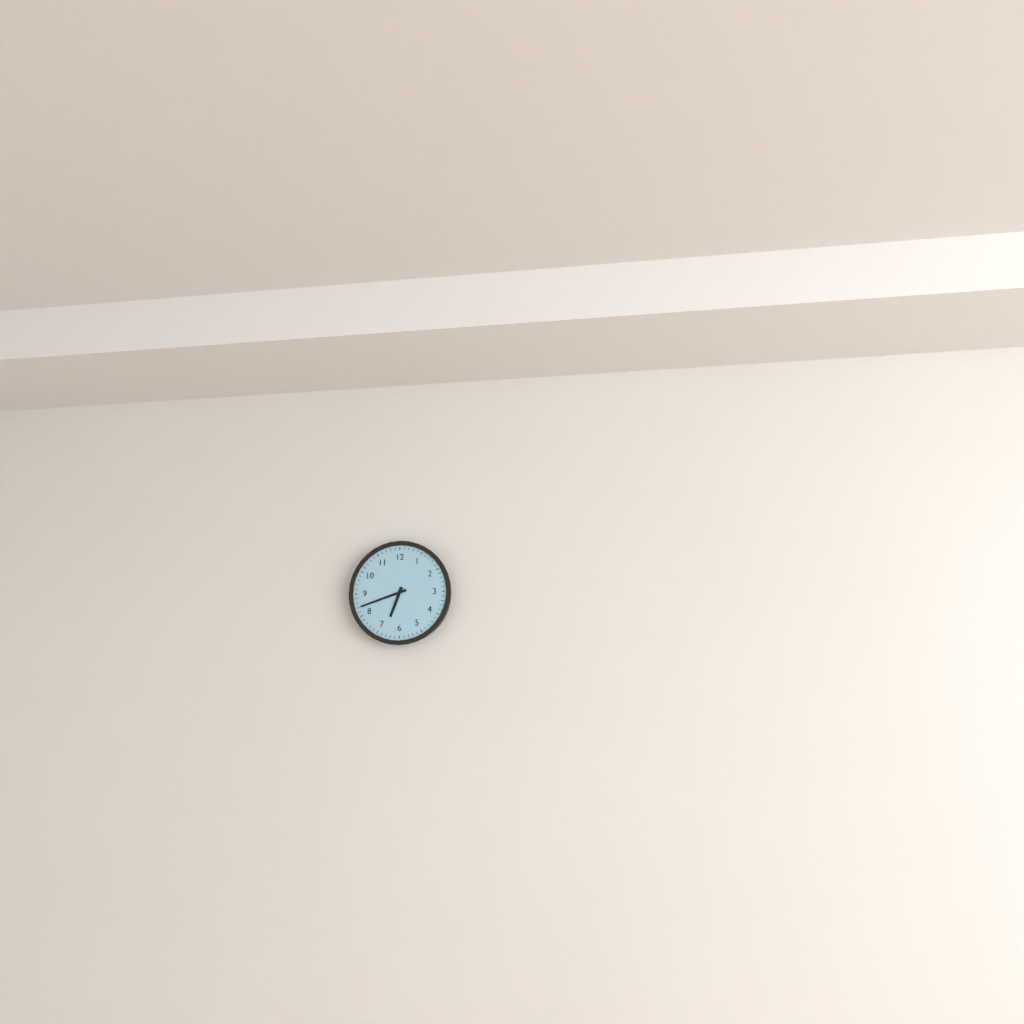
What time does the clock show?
6:42
